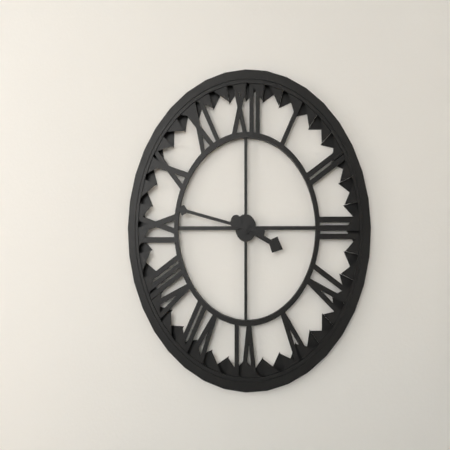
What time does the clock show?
3:47
